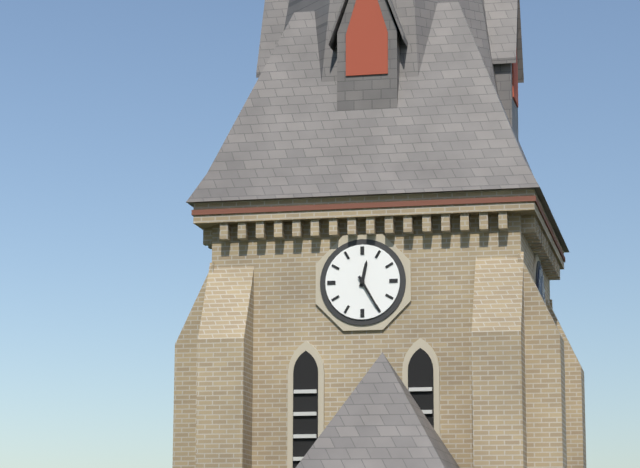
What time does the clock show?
12:25
